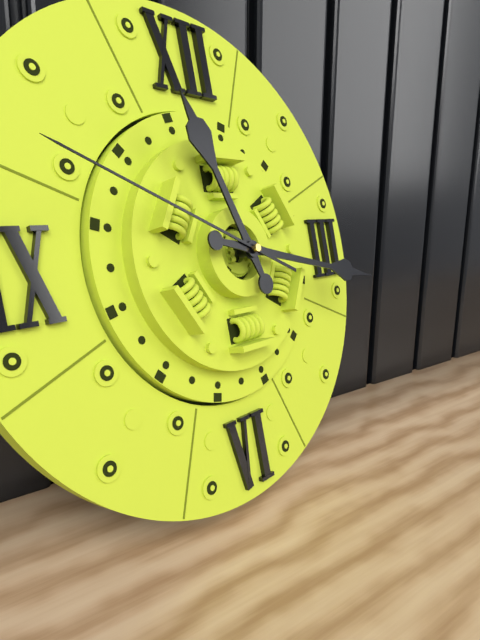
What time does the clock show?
11:17:49
